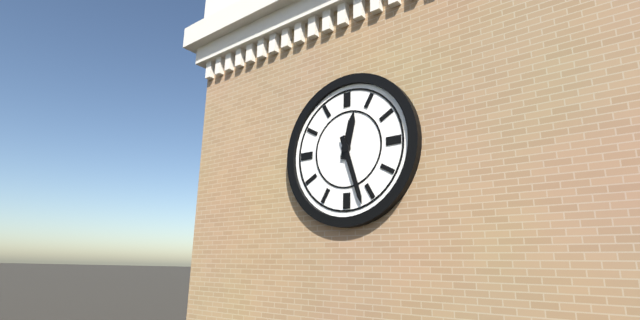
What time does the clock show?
12:27
